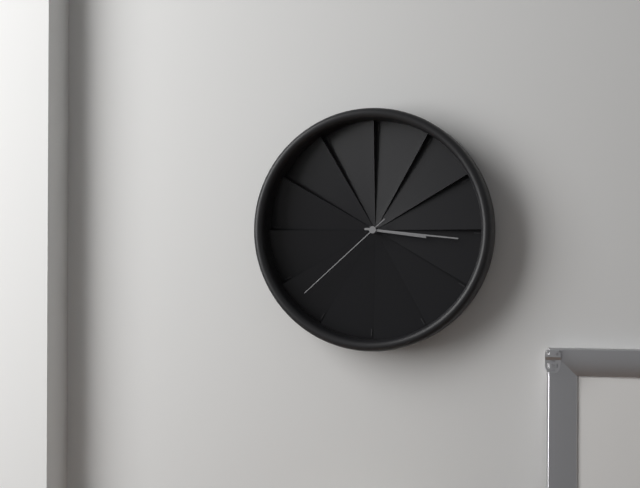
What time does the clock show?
3:16:38
